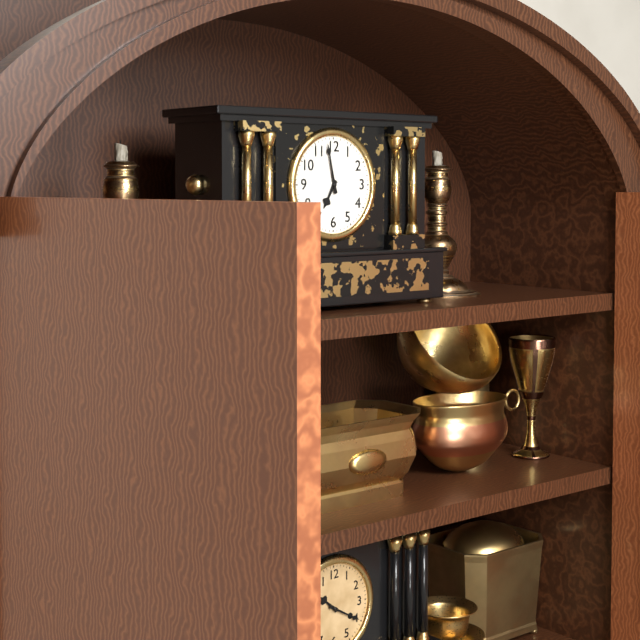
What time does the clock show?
6:58
